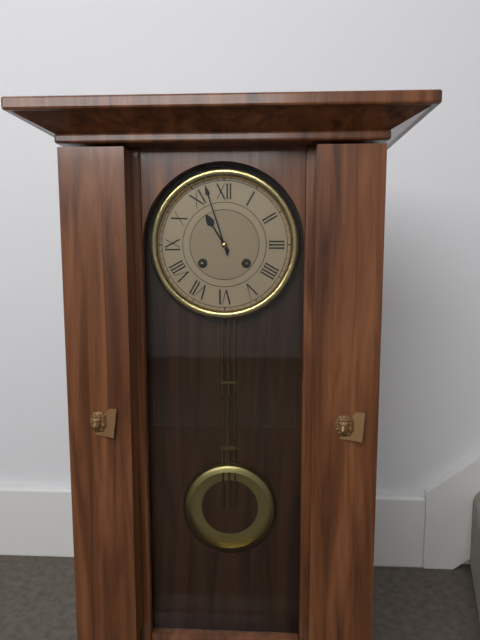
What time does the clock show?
10:57
